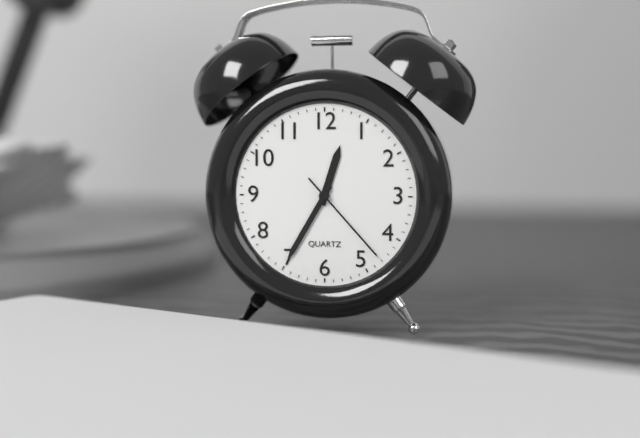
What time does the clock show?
12:35:23
